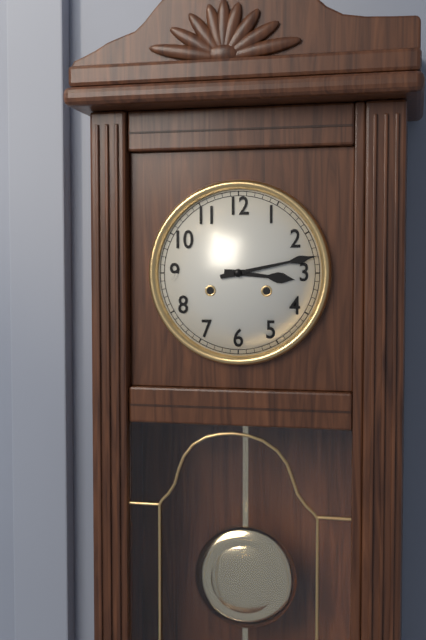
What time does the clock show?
3:13
